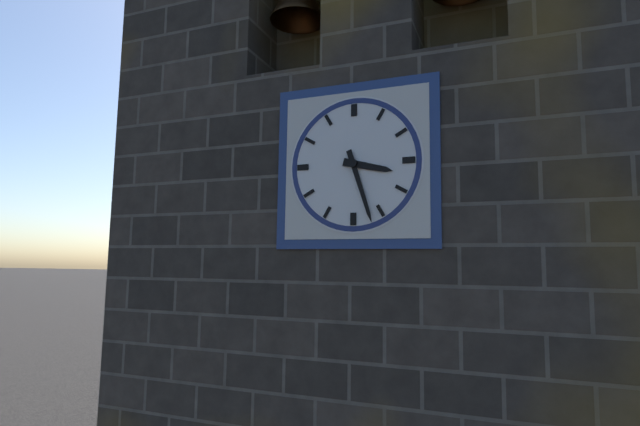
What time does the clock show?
3:27
